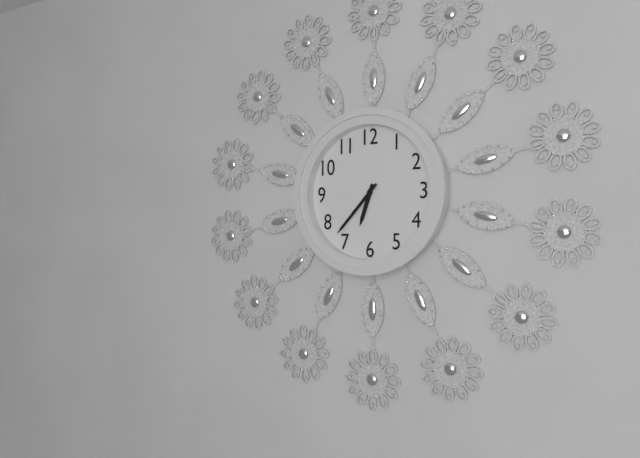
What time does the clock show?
6:37
